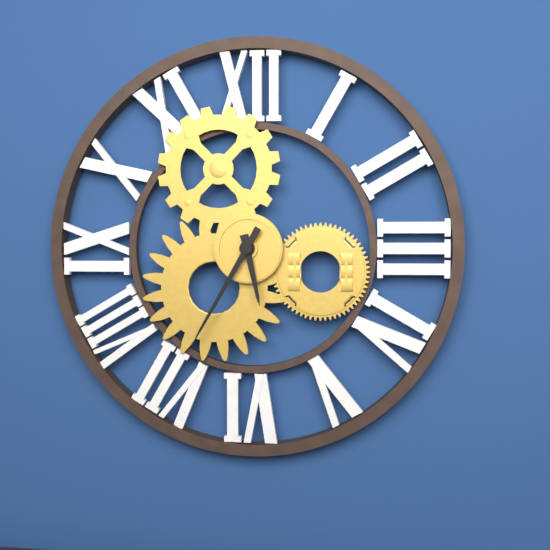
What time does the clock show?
5:35
